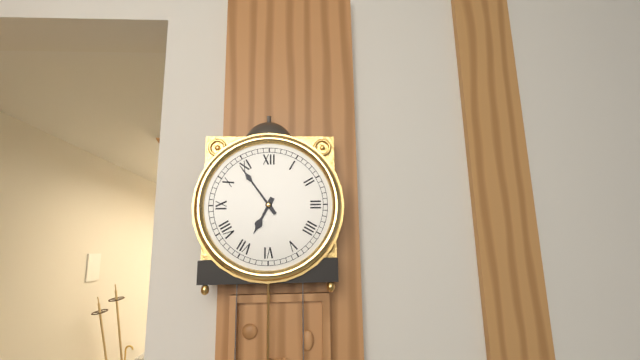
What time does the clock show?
6:54
